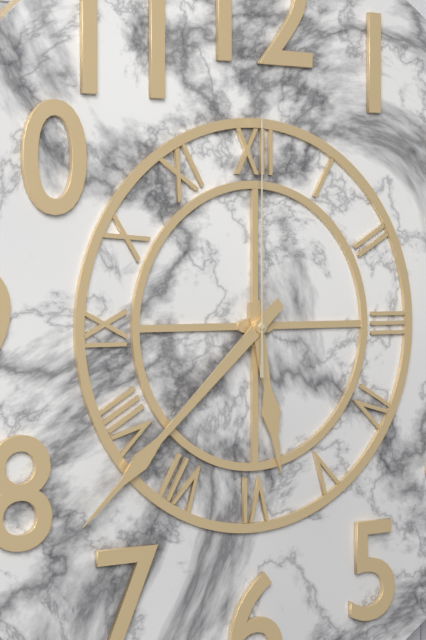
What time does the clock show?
5:38:00
